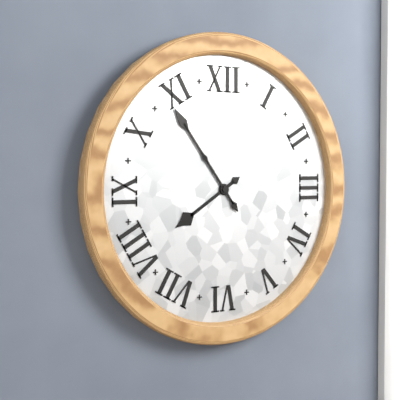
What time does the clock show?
7:54
